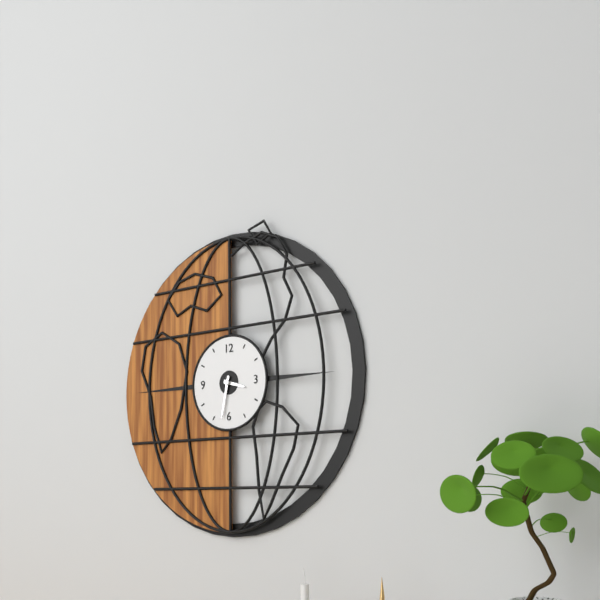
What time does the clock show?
3:32
